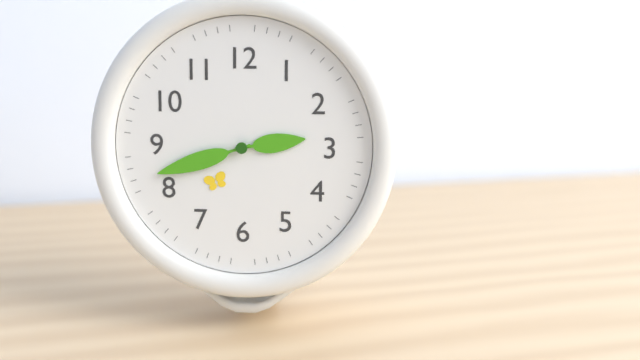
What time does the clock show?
2:42
